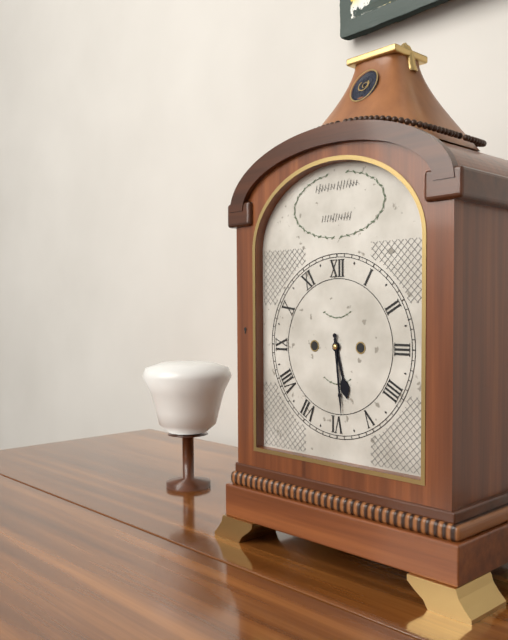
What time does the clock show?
5:29
